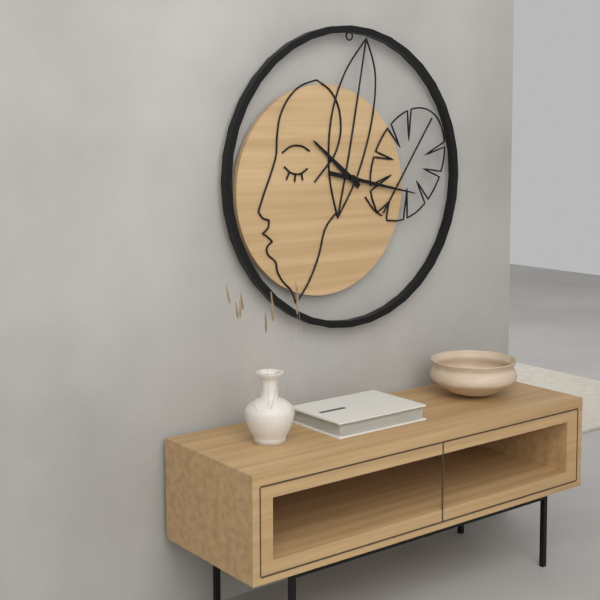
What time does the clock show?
10:17
